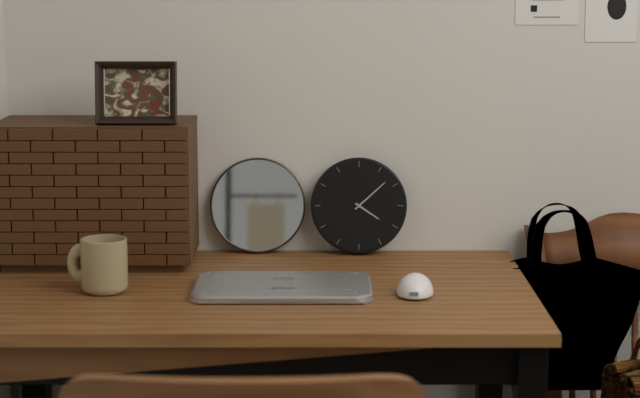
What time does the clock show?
4:08
